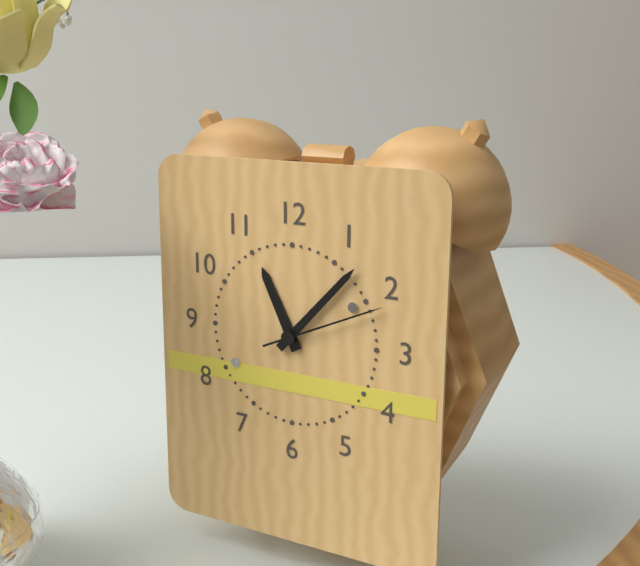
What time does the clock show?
11:07:11
